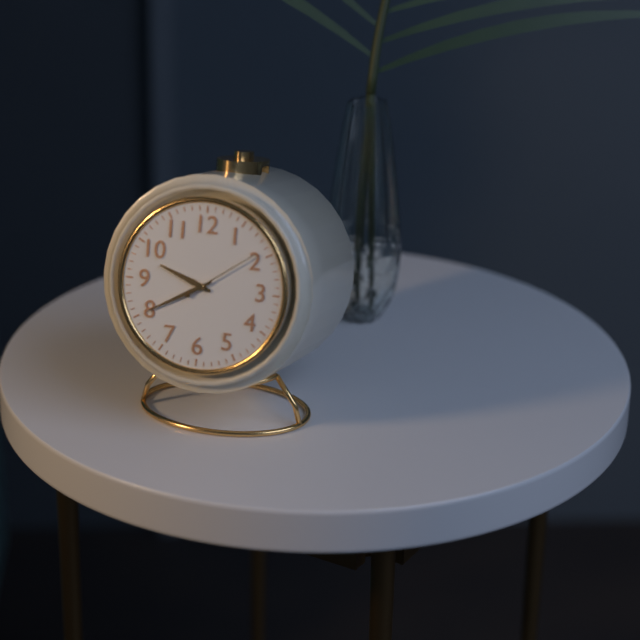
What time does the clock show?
9:40
